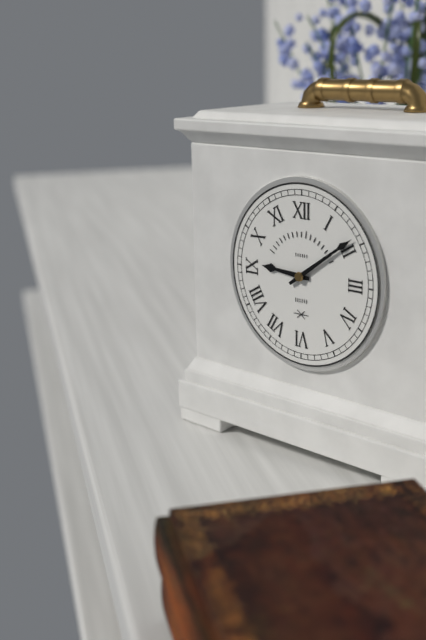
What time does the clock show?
9:09
